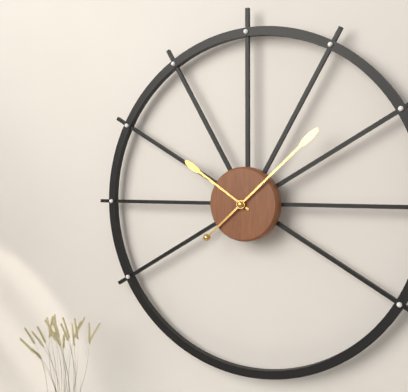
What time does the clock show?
10:08
